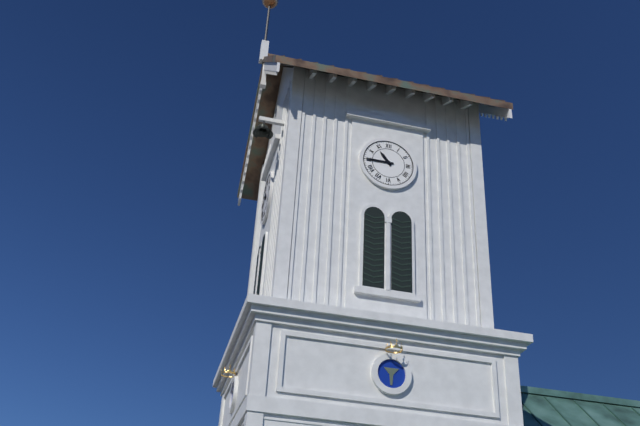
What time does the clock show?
10:45
